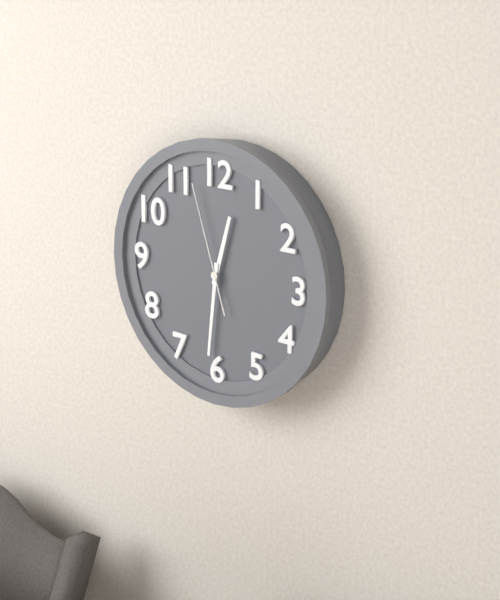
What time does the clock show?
12:31:57
